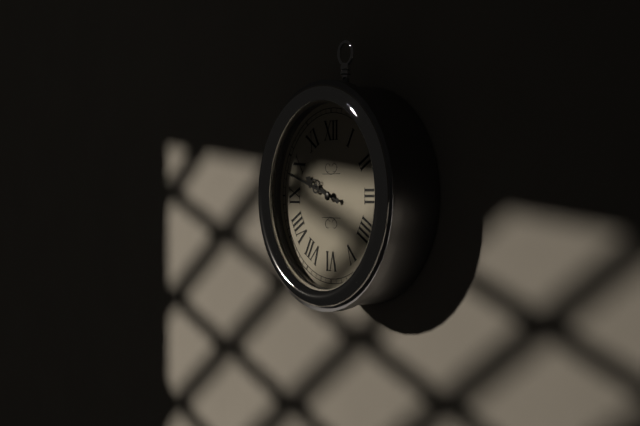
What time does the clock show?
9:48
